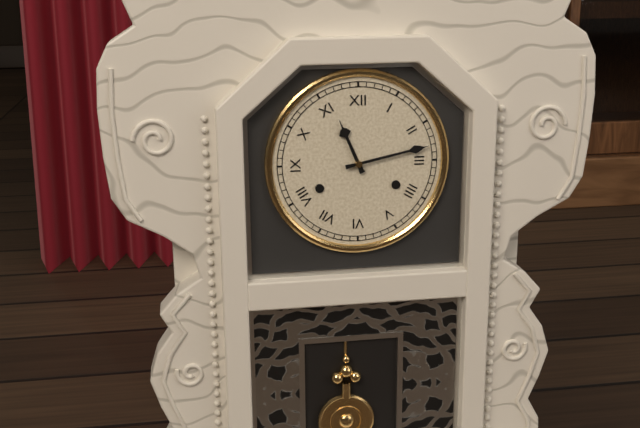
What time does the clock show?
11:13
